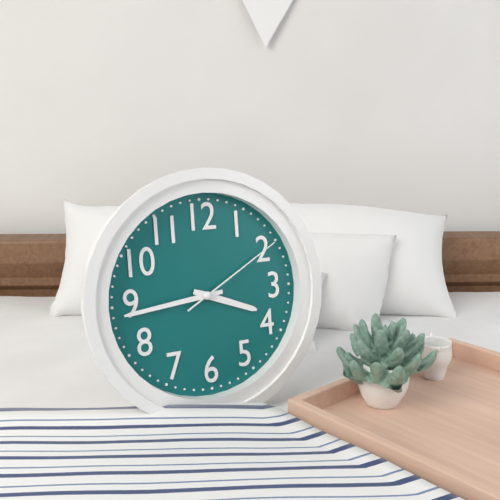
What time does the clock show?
3:44:10
